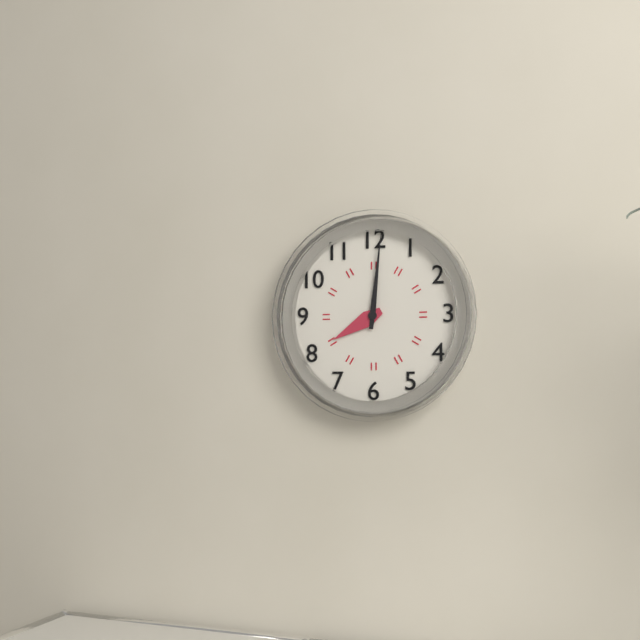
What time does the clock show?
8:01
